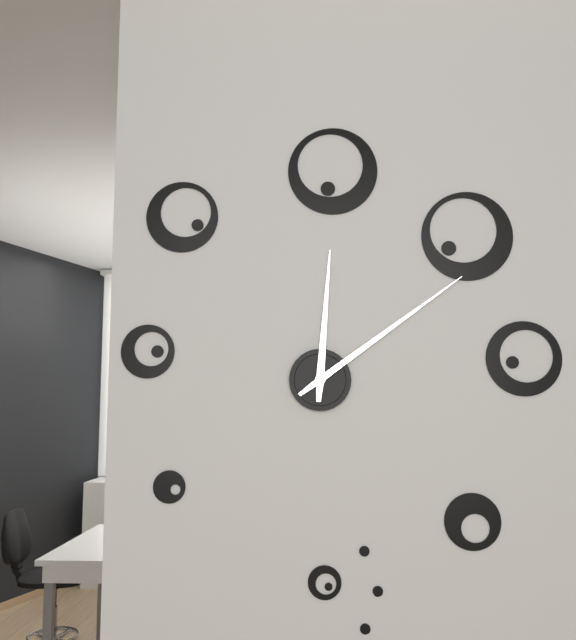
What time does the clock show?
12:09
